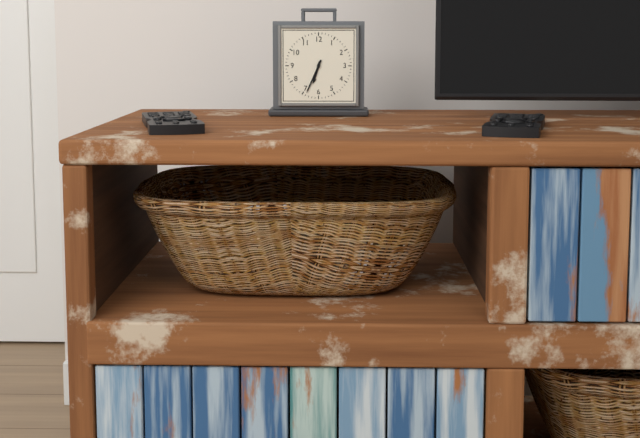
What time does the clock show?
6:34
